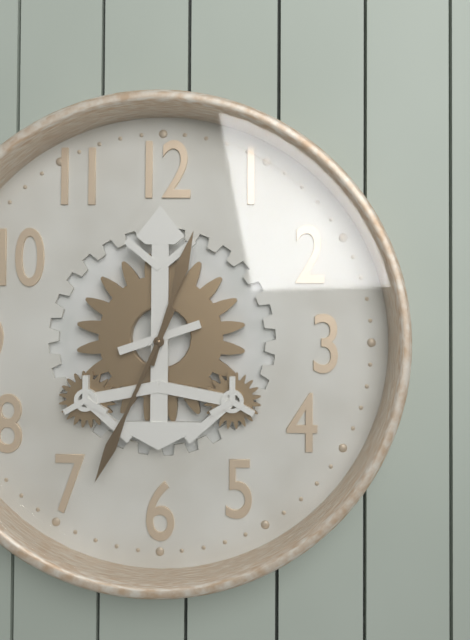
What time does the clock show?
12:34
